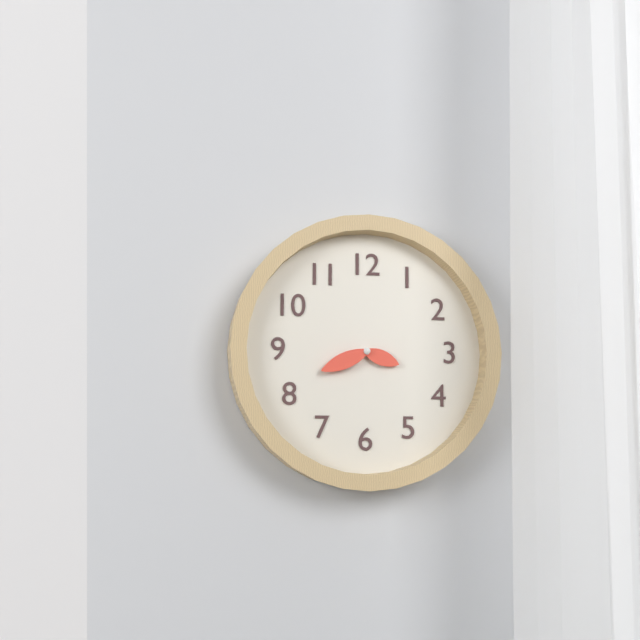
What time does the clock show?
3:41
